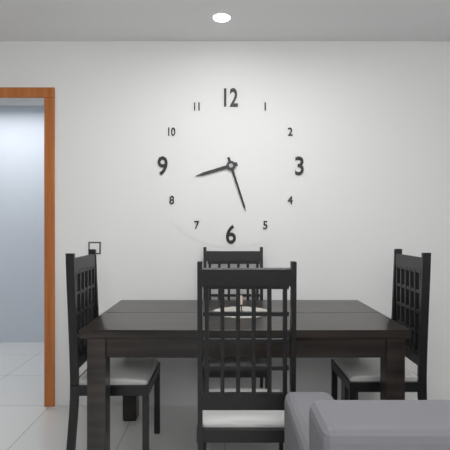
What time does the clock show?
8:27
